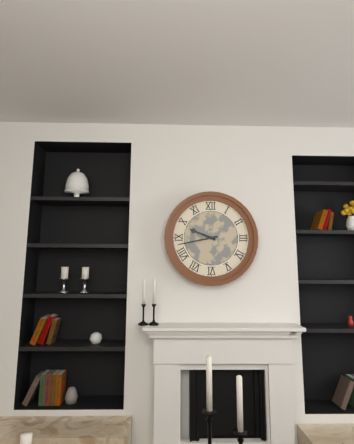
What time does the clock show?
9:43
